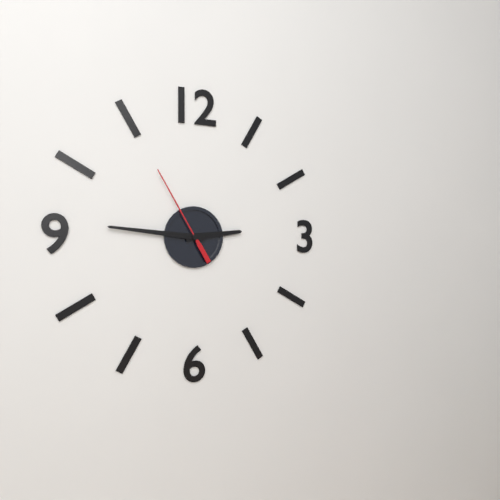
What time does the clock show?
2:46:55
